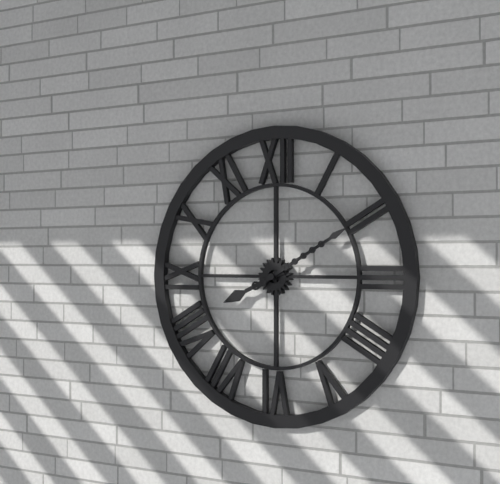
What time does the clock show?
8:10
